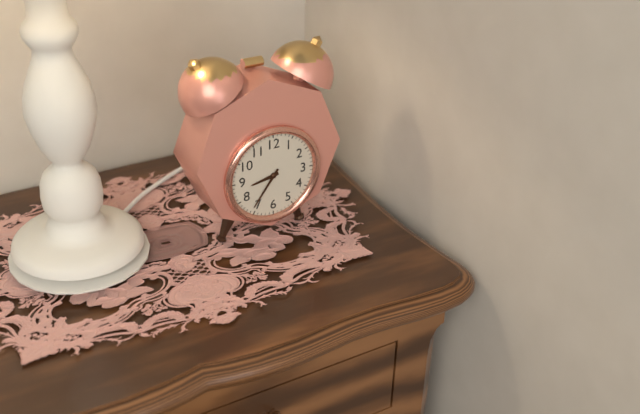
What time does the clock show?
8:36
